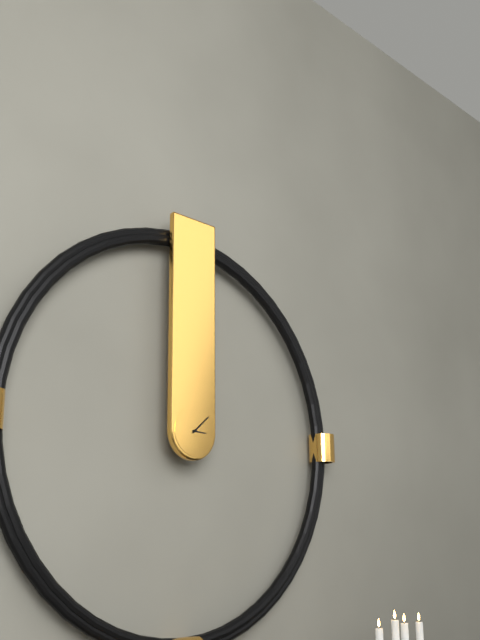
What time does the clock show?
3:08
